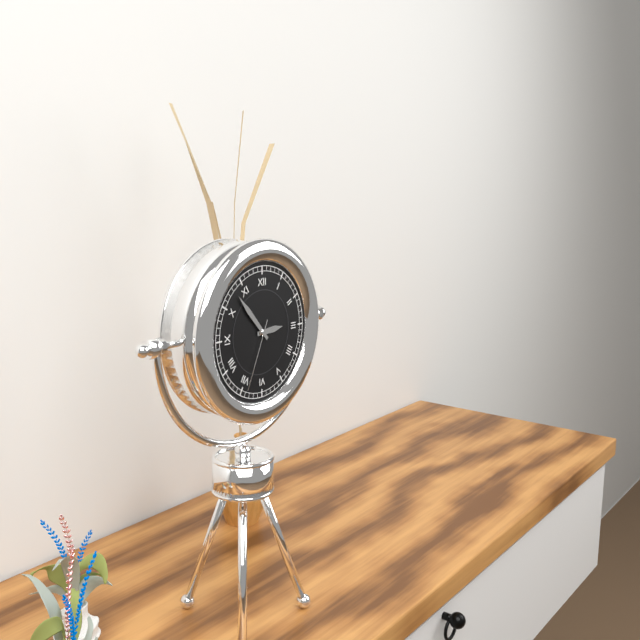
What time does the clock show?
2:53:34
